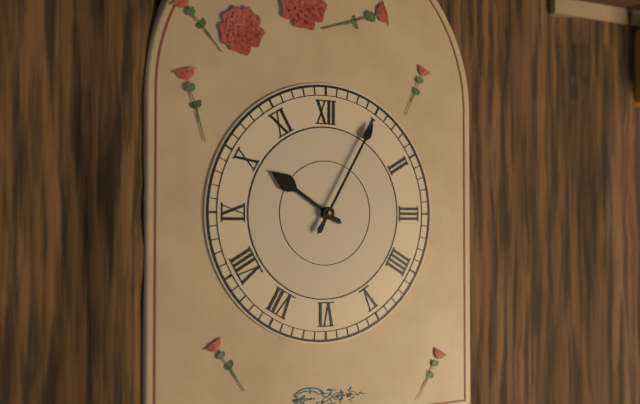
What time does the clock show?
10:05
